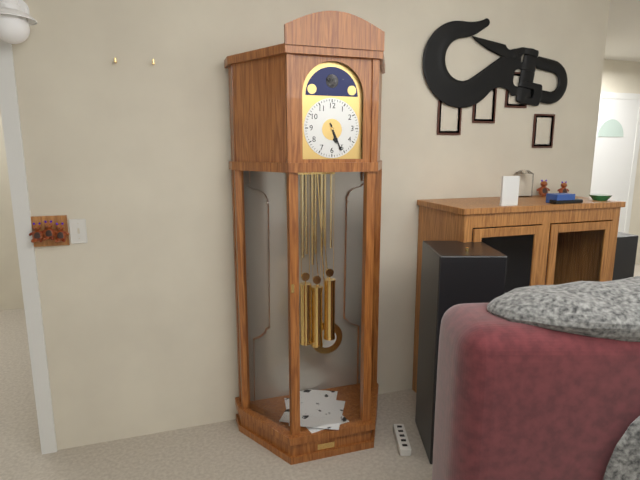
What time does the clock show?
5:26
